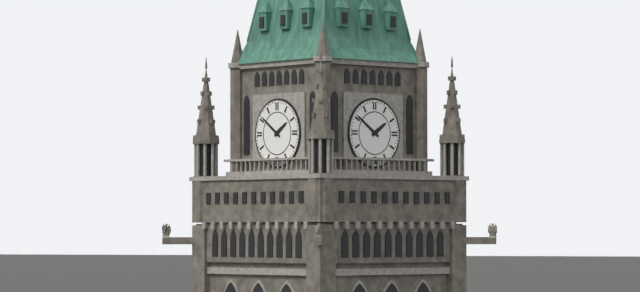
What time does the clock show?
1:51
